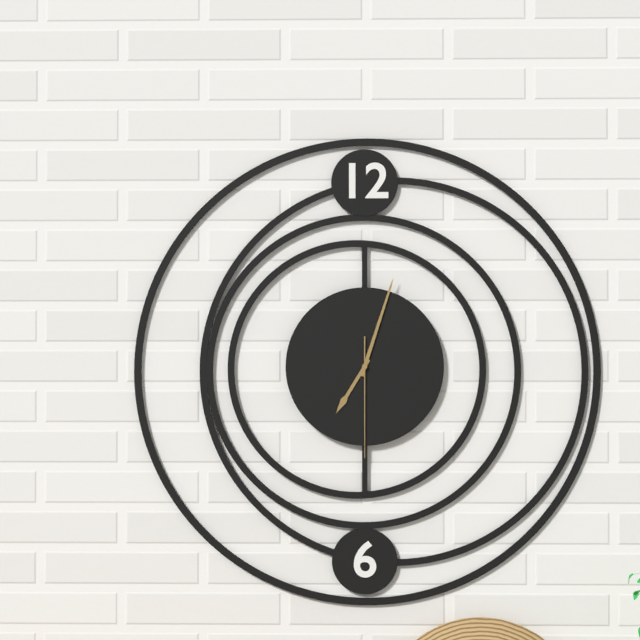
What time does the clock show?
7:03:30
